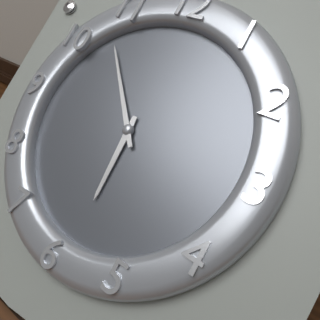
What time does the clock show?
5:53
